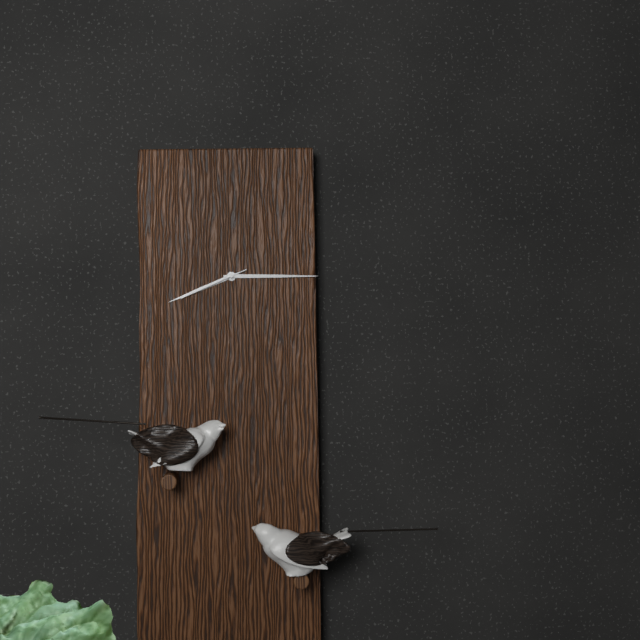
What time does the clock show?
8:15:41
